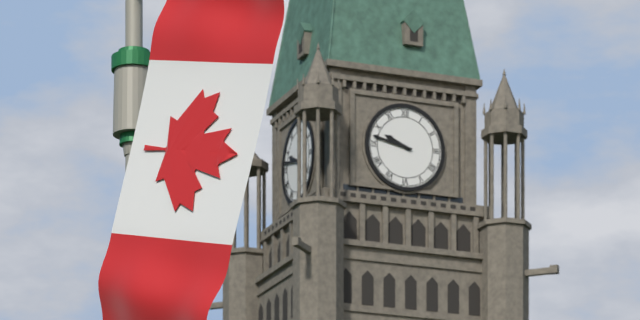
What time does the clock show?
9:47
